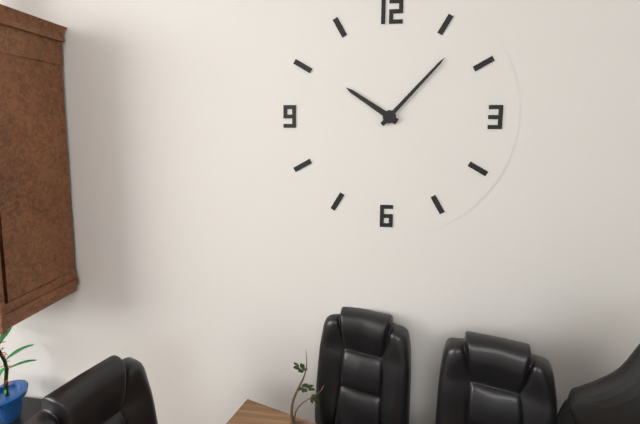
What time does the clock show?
10:07
